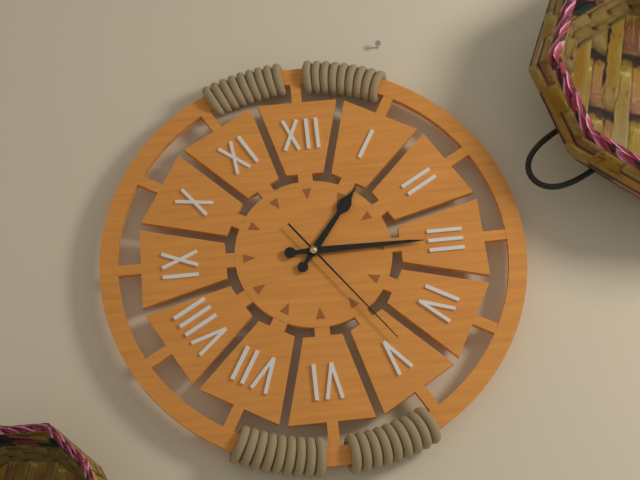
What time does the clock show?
1:15:24
